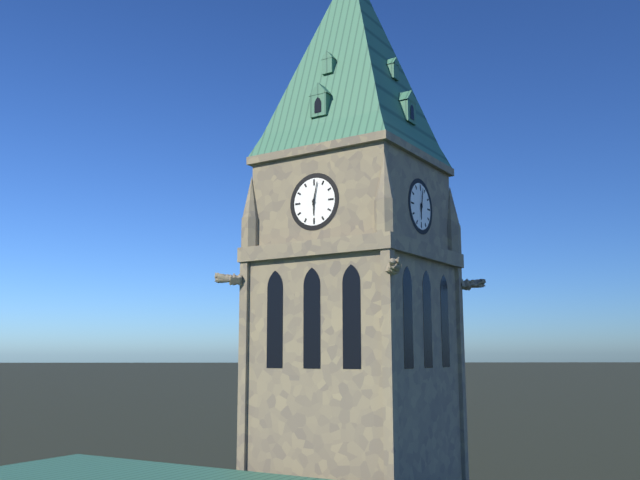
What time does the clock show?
6:02
